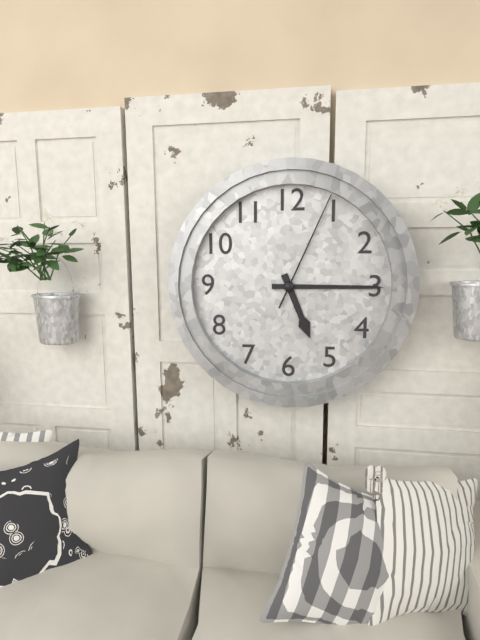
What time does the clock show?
5:15:04
